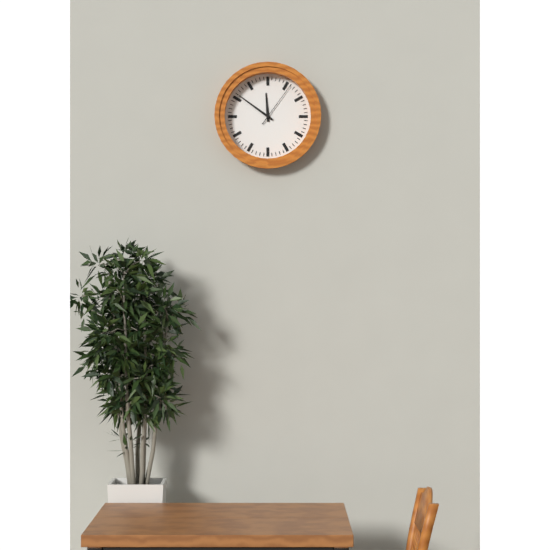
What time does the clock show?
11:51
